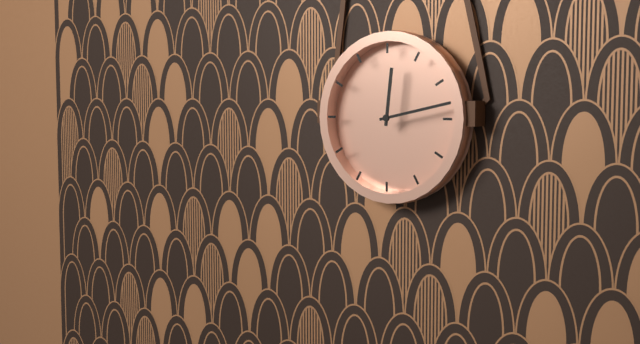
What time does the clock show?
12:13
